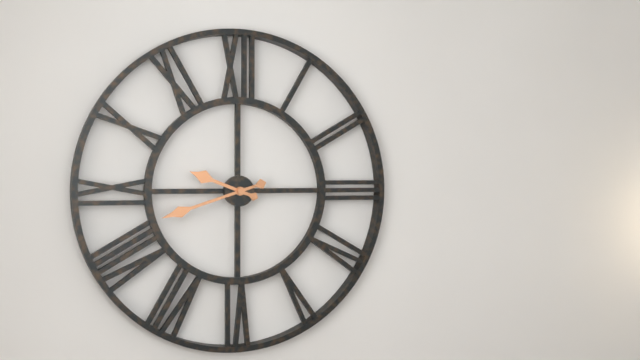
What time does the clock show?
9:42
